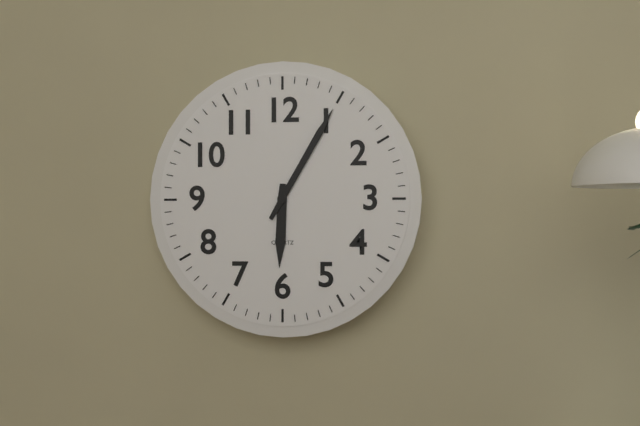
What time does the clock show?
6:05
